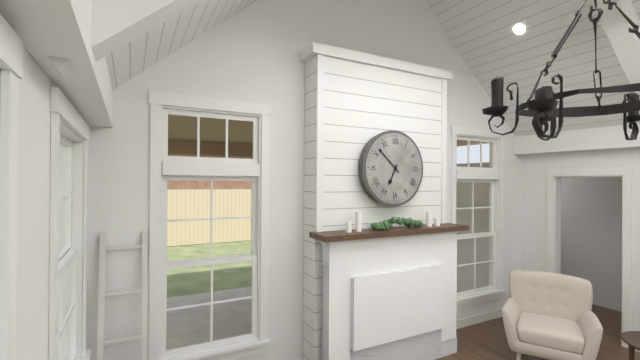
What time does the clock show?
6:52
